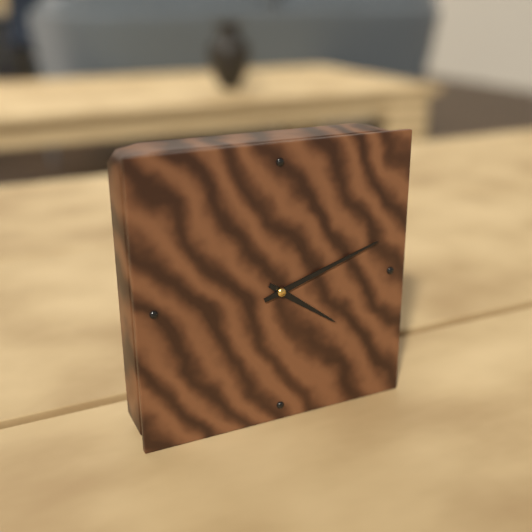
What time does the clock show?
4:12
